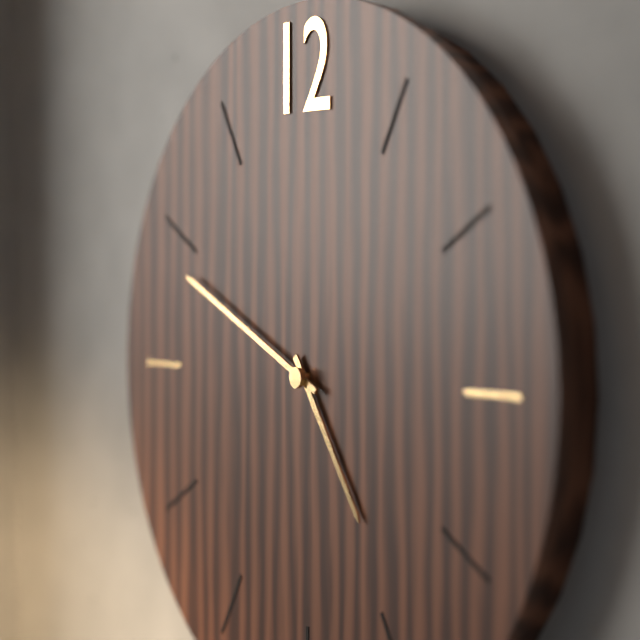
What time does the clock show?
4:49
